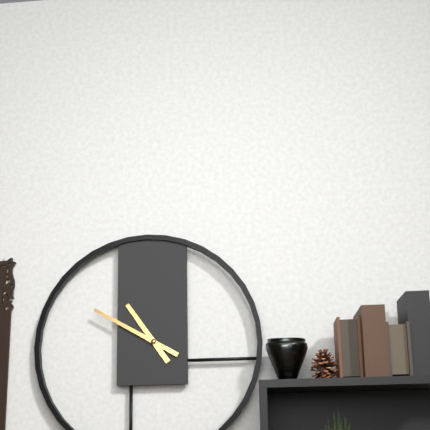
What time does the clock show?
10:50
